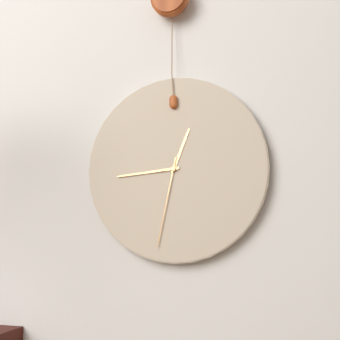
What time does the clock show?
12:44:32
